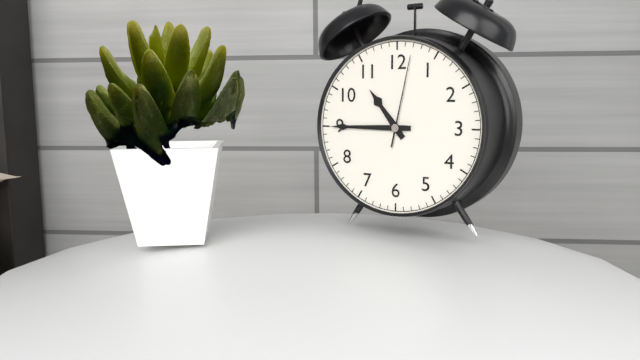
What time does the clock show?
10:45:02
